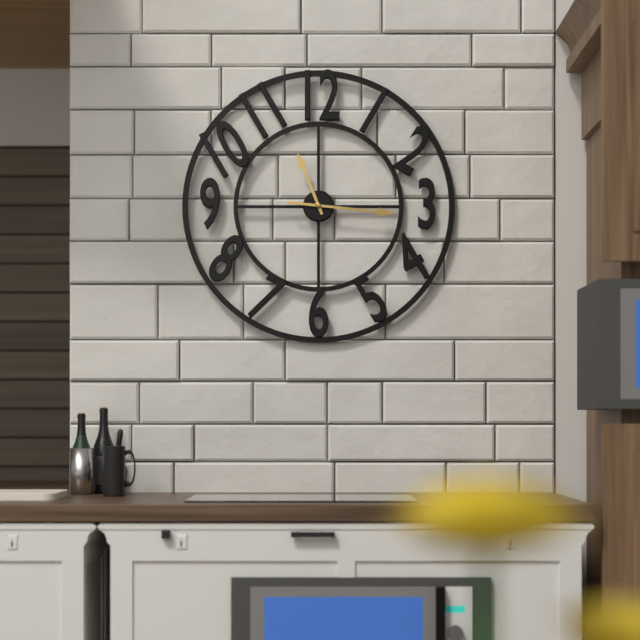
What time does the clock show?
11:16
